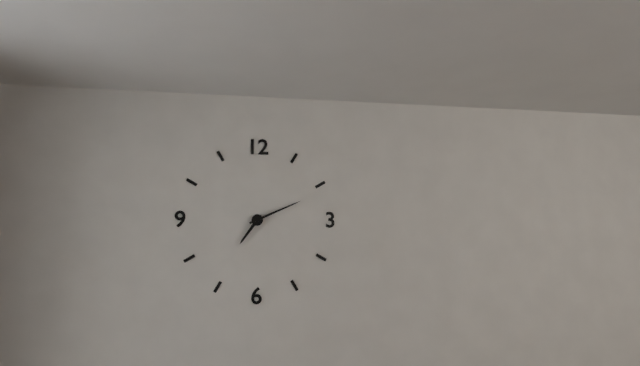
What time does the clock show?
7:11
